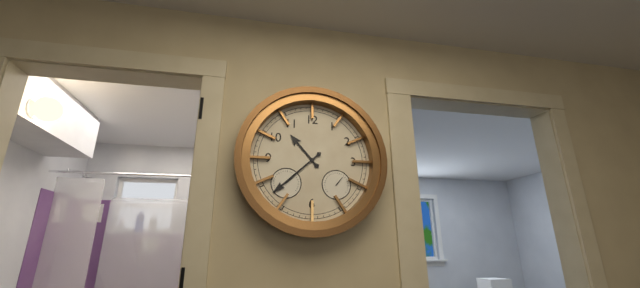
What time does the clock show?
10:38
